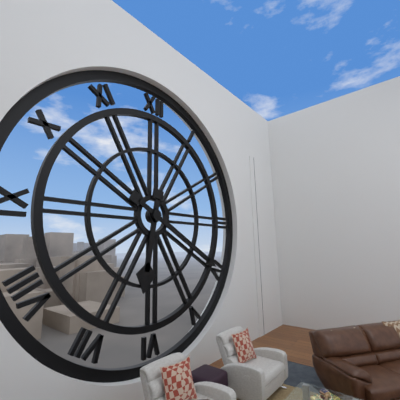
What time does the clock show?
6:20
